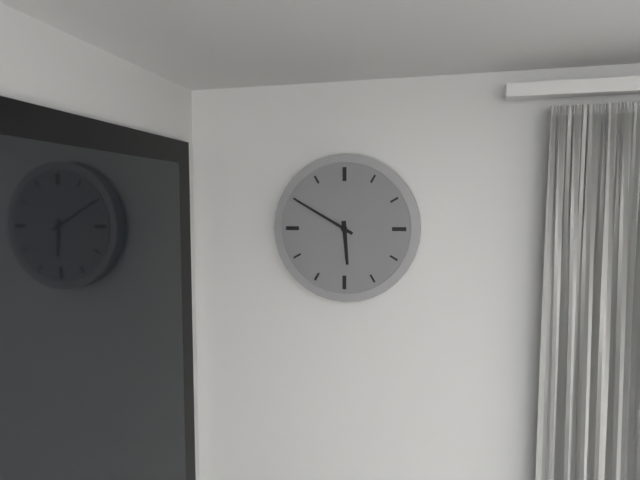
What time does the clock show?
5:50
